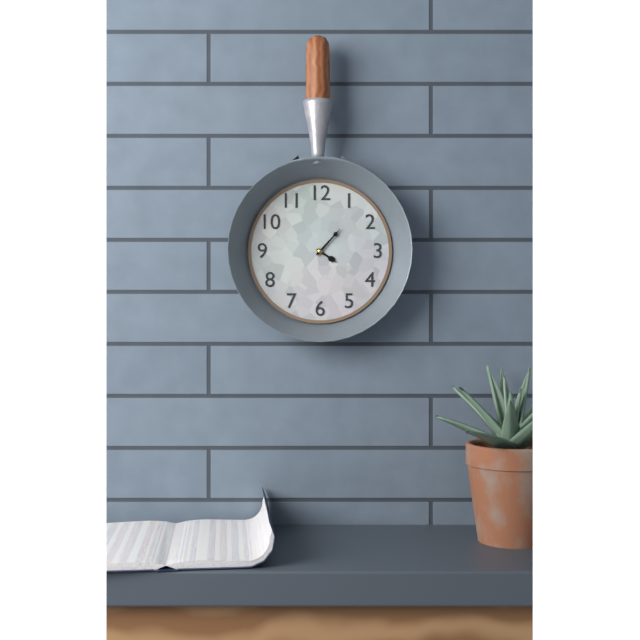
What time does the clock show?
4:07
